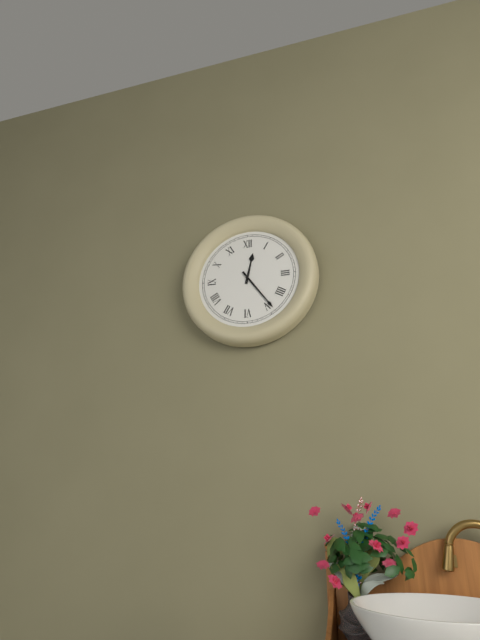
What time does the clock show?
12:24
